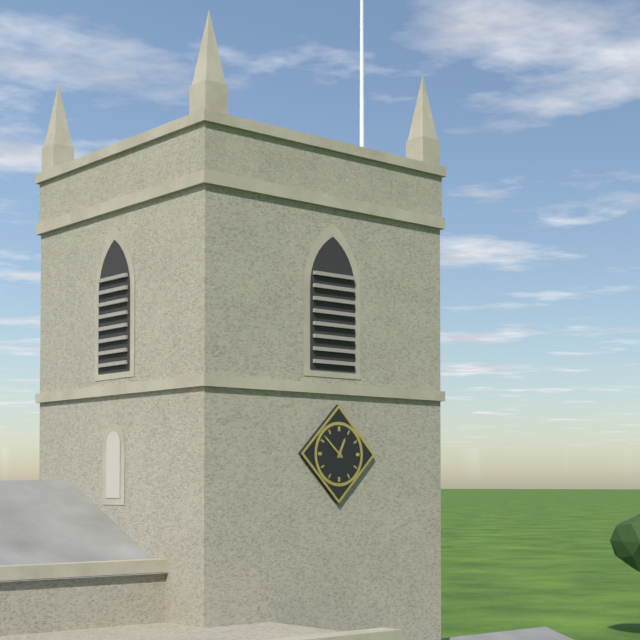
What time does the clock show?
12:52
